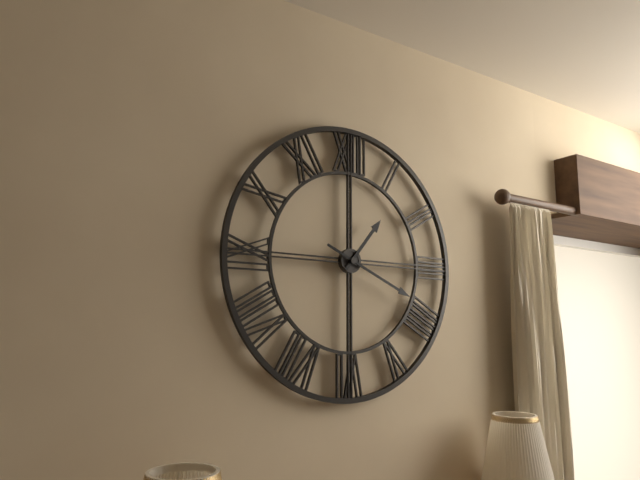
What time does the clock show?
1:19
